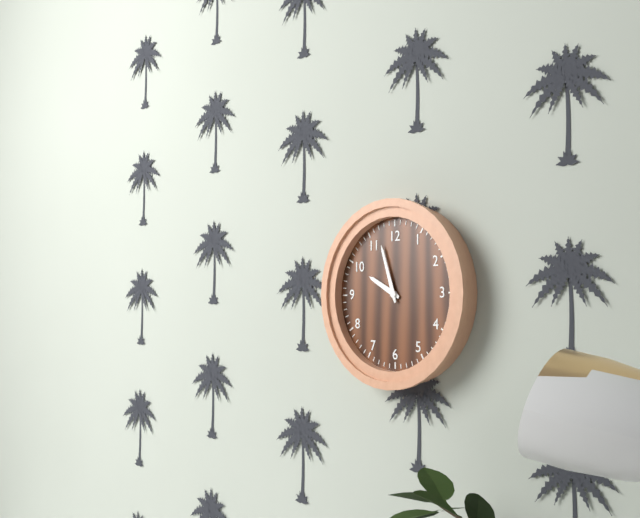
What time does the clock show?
9:57
